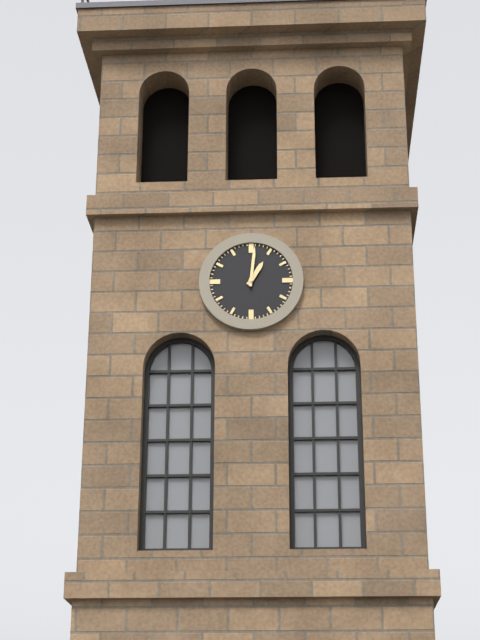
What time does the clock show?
1:01
